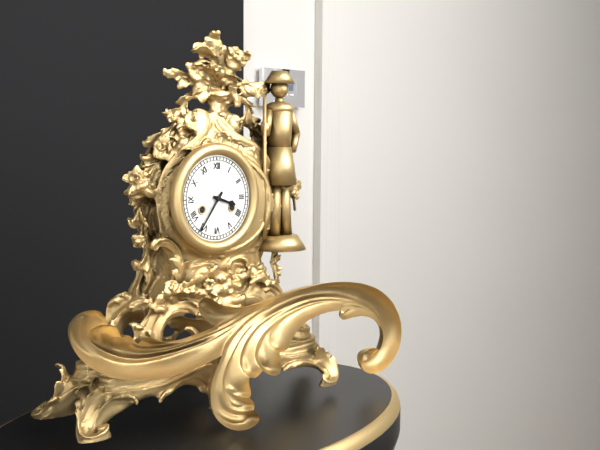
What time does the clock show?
3:36
